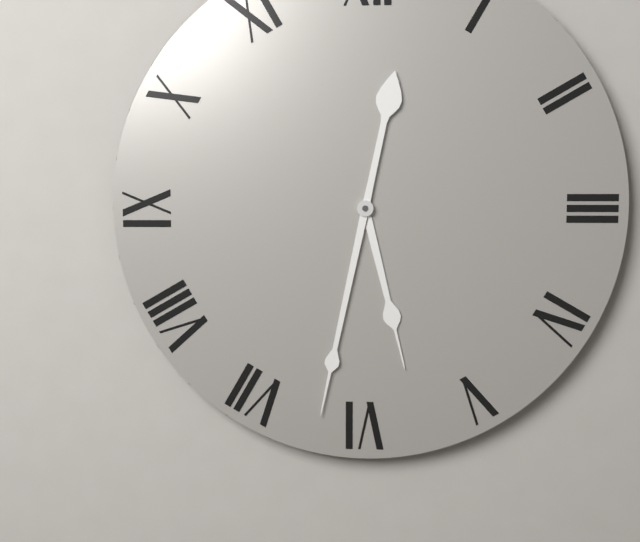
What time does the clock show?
5:32
